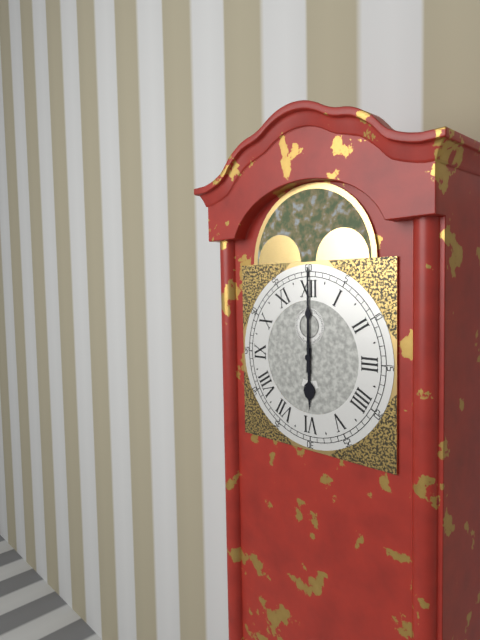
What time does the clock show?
6:00
